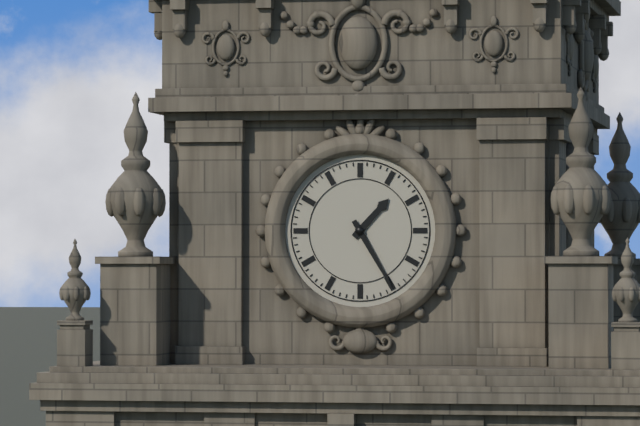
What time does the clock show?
1:25
